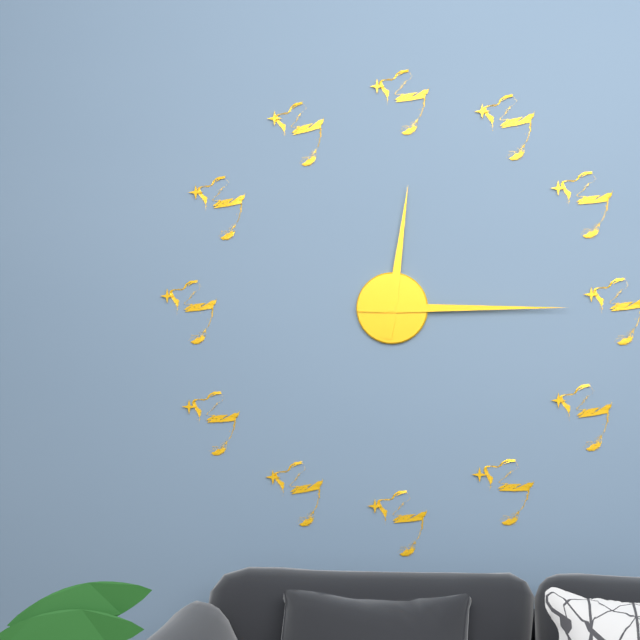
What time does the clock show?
12:15
